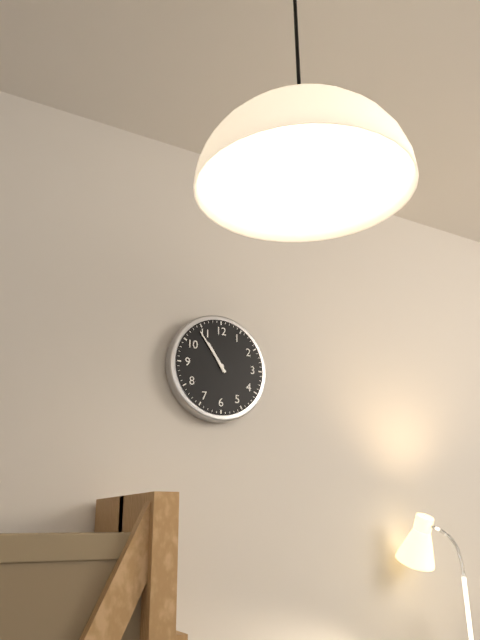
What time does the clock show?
10:54
